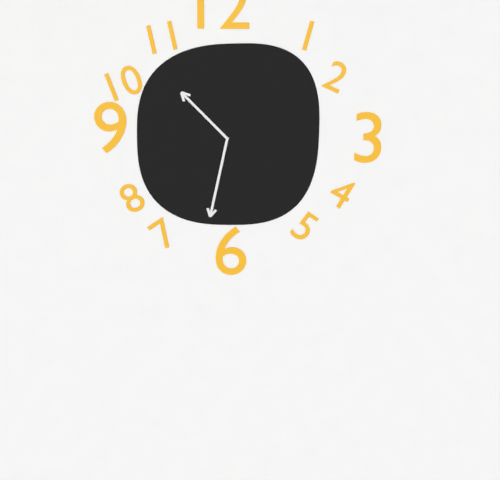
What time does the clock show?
10:32
